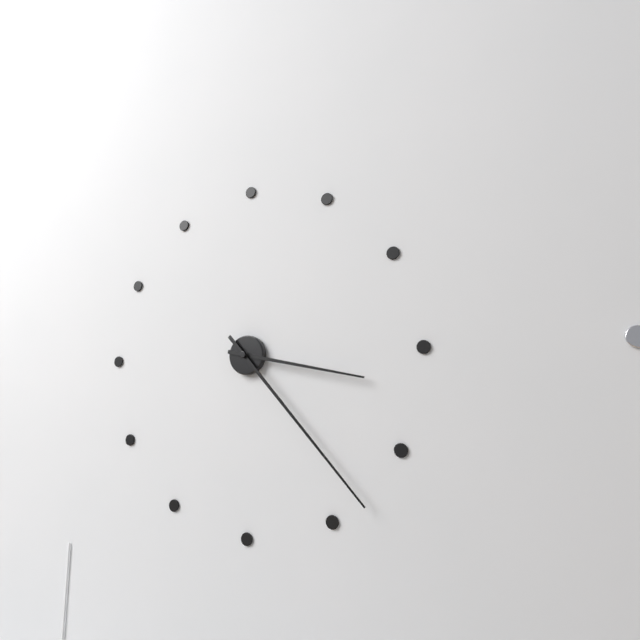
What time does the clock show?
3:23
